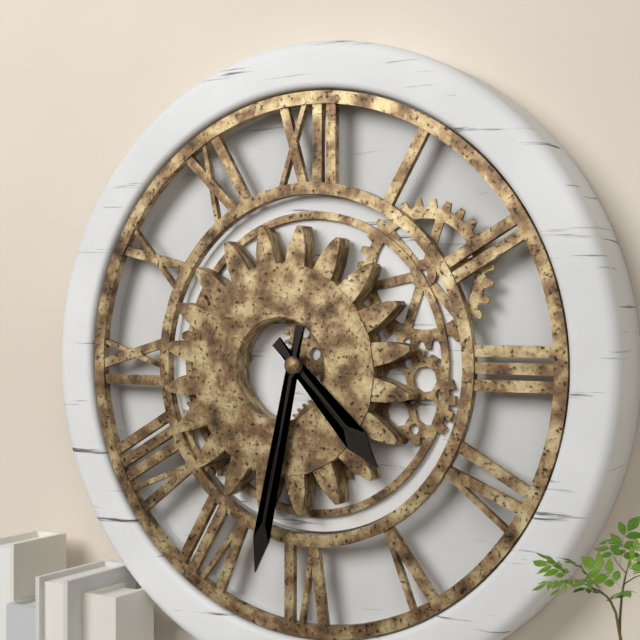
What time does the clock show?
4:32
